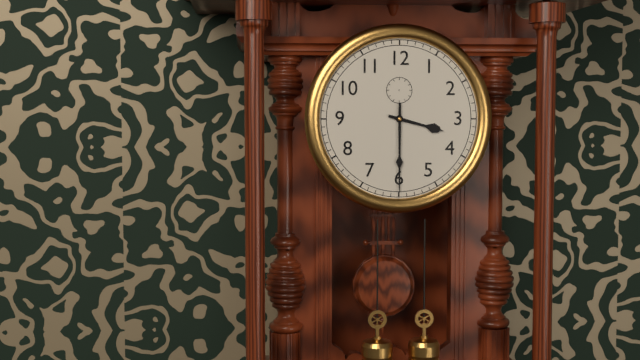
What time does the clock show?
3:30
